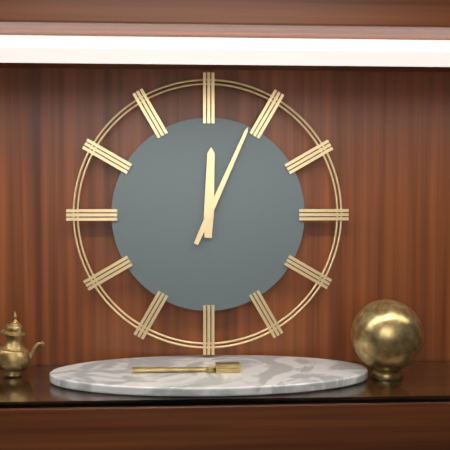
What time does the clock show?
12:04
